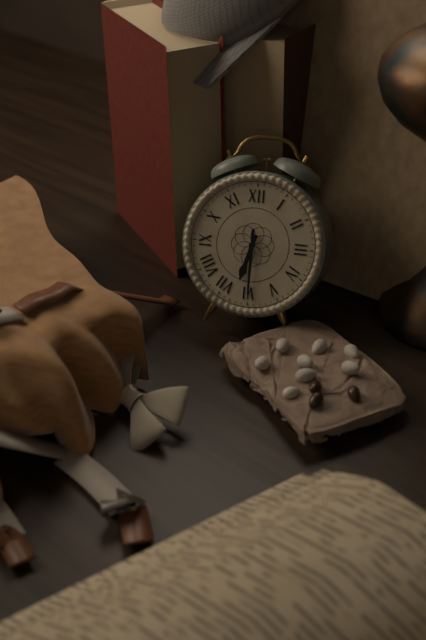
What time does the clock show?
6:30
